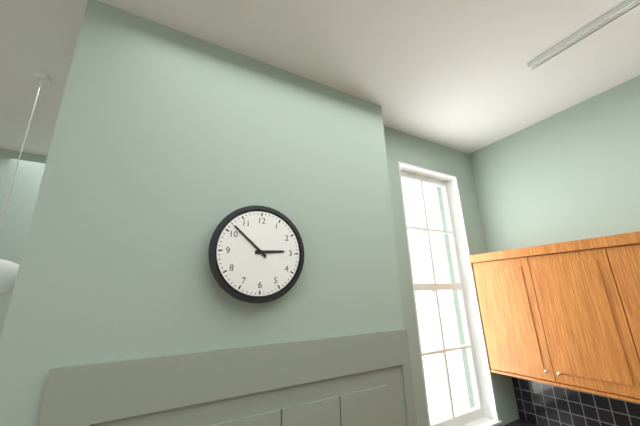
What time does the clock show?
2:52
